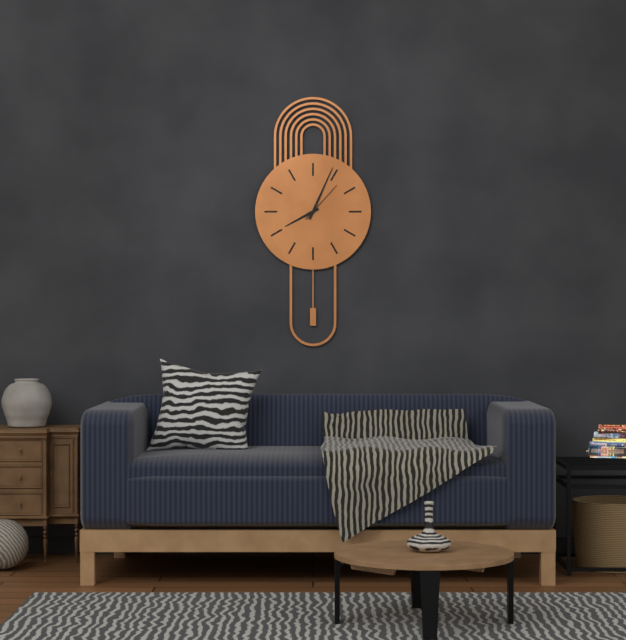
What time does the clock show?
8:04
